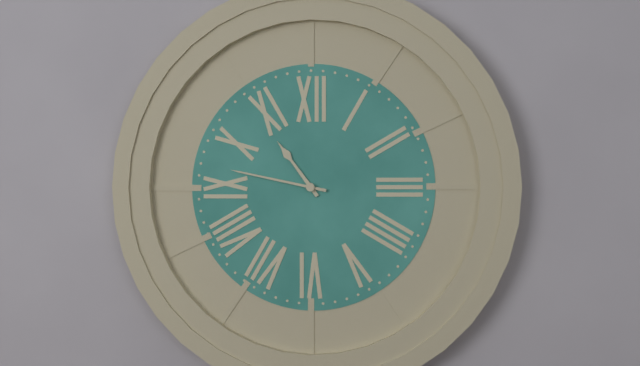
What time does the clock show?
10:47
